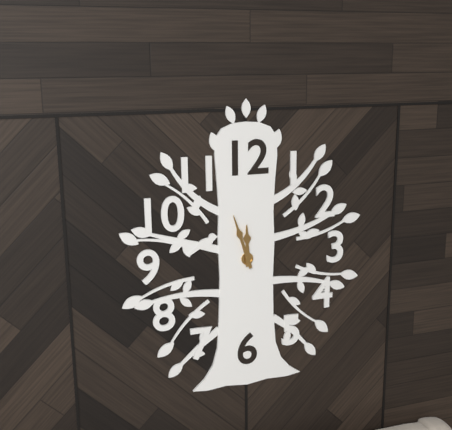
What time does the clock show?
11:57
